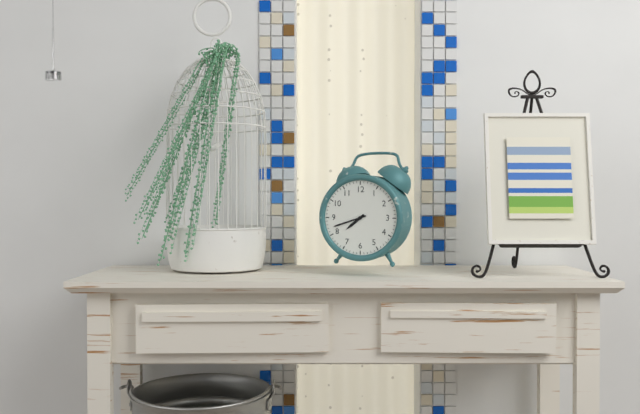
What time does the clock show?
7:42
